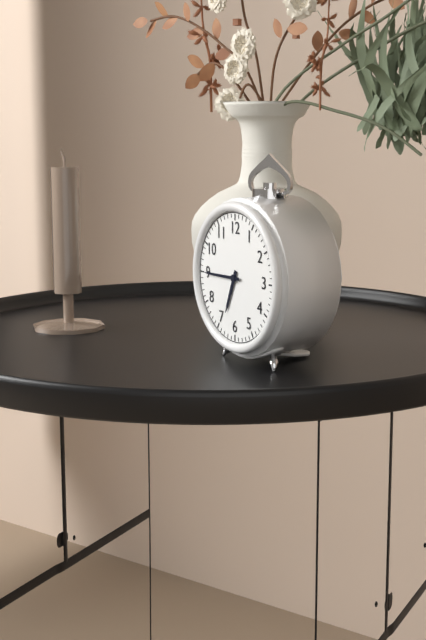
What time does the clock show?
6:45
